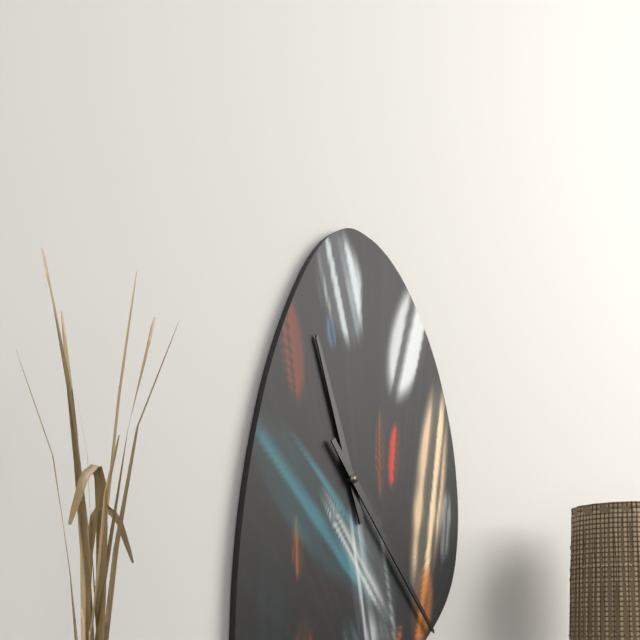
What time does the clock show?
11:24
